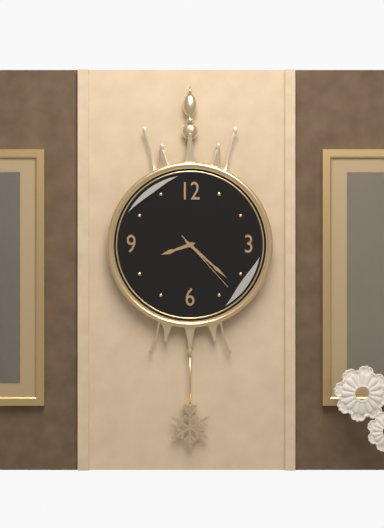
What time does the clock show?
8:22:23
